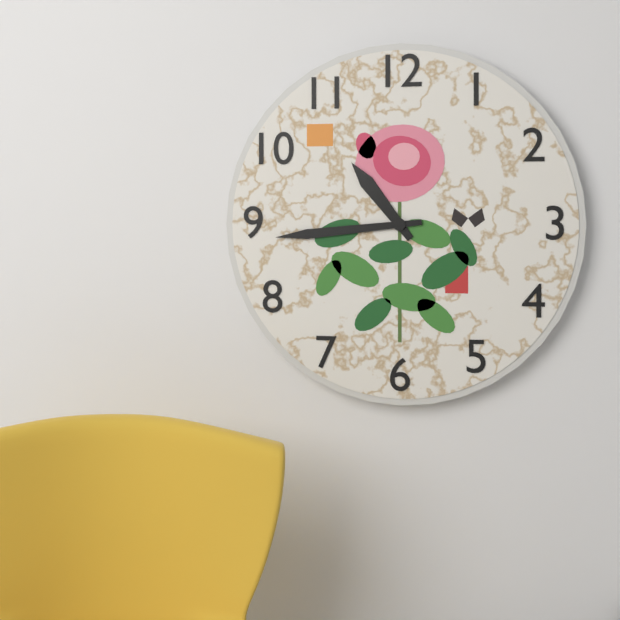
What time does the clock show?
10:44
